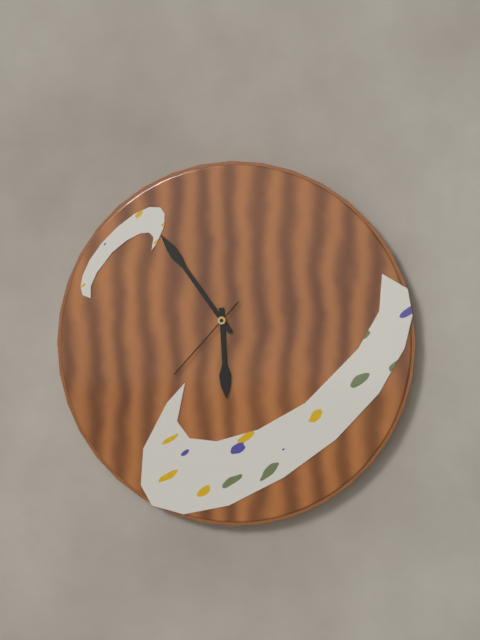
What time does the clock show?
5:54:37
